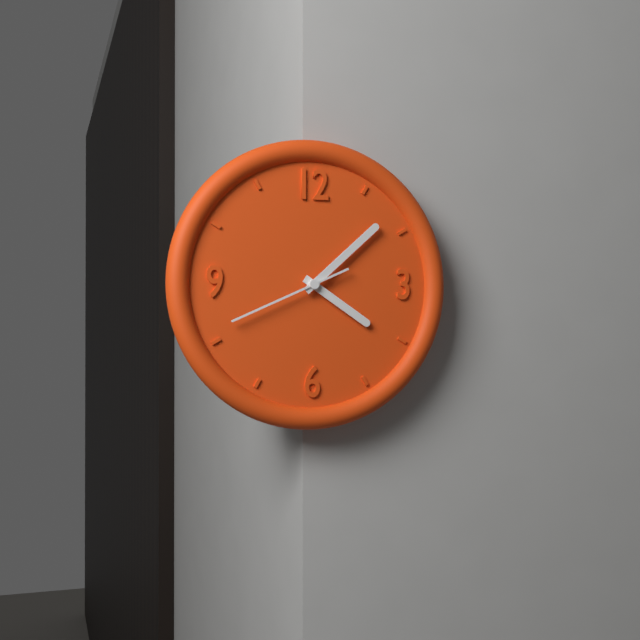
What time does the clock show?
4:08:41
